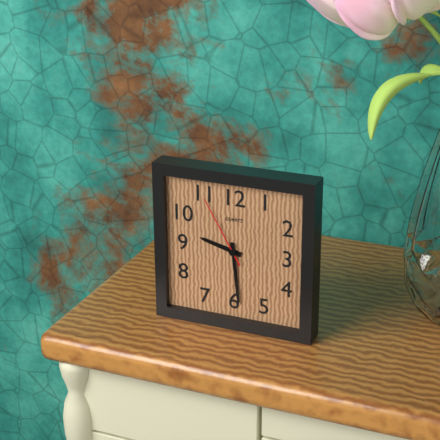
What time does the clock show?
9:29:55
